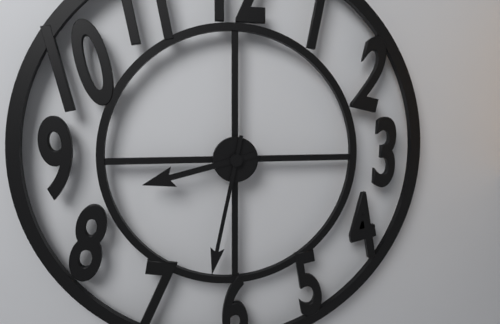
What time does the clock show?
8:32
